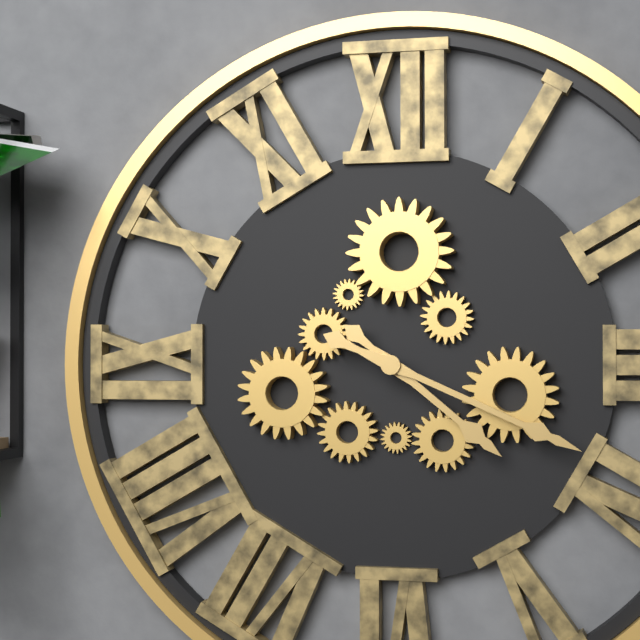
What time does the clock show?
4:19
